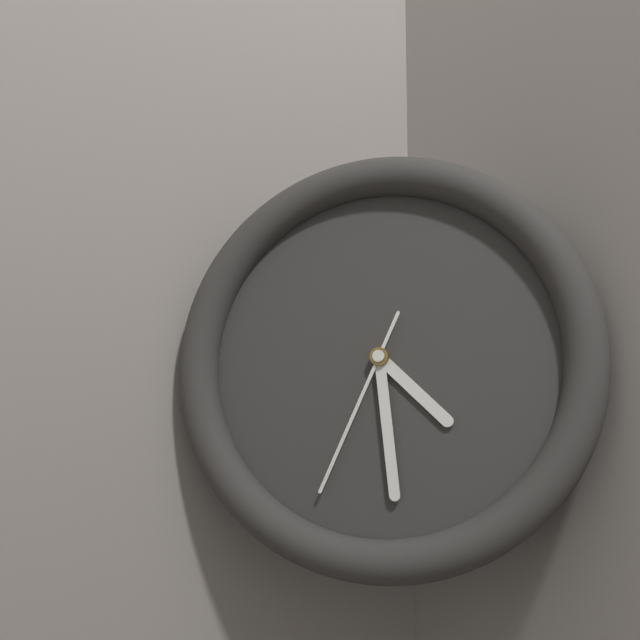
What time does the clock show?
4:29:34
